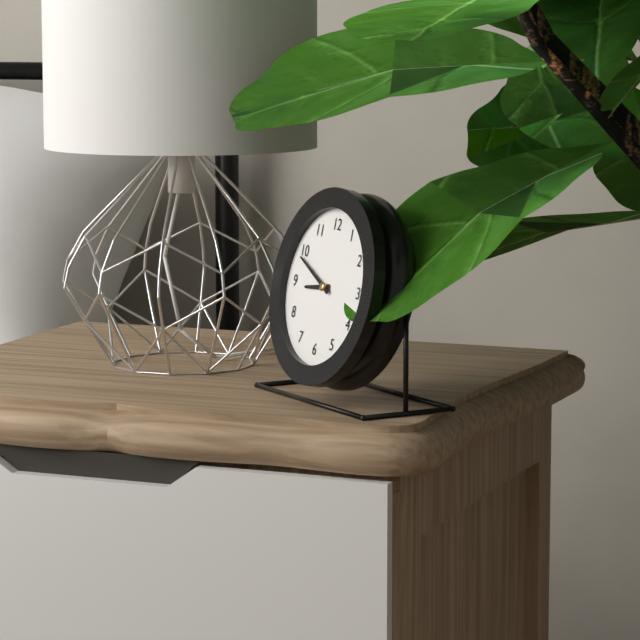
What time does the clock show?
8:49
